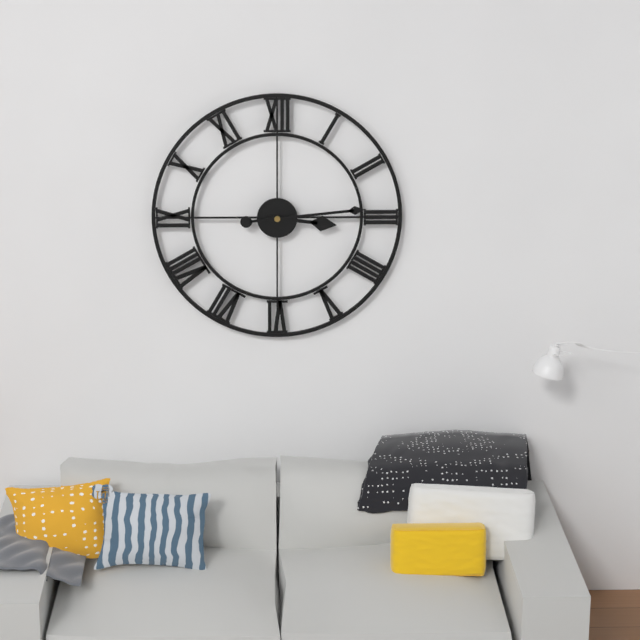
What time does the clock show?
3:14
